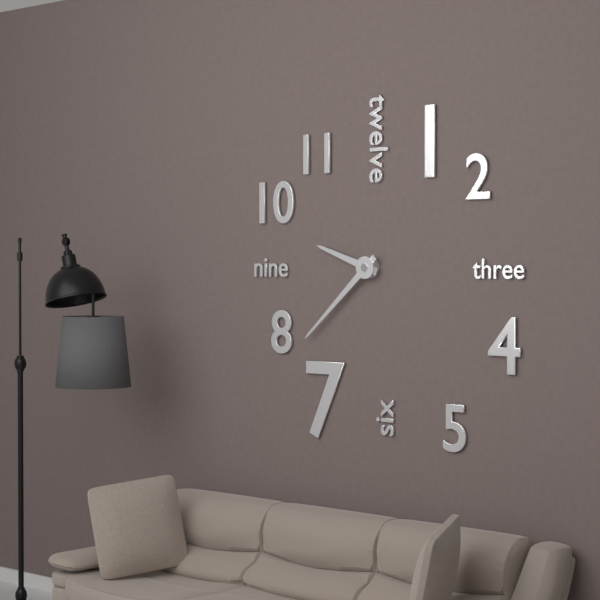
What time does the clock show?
9:38
